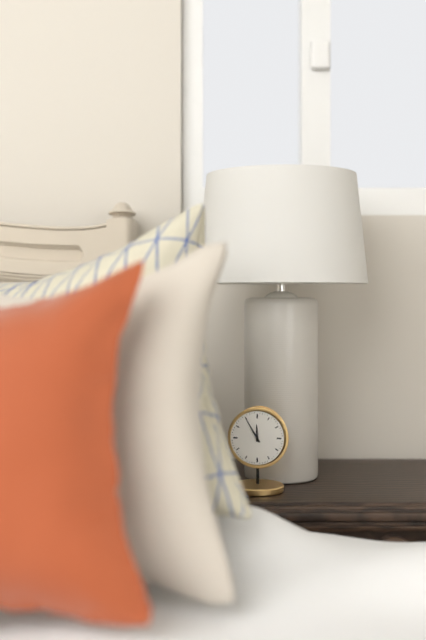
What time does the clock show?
11:55
